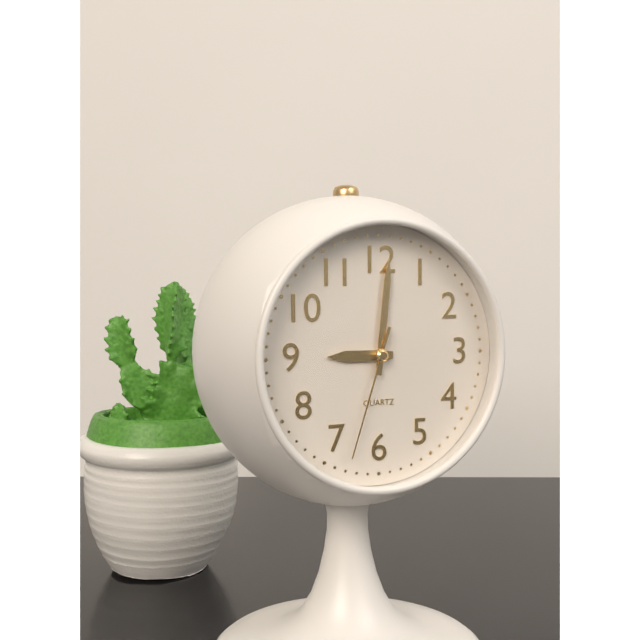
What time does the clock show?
9:01:33
